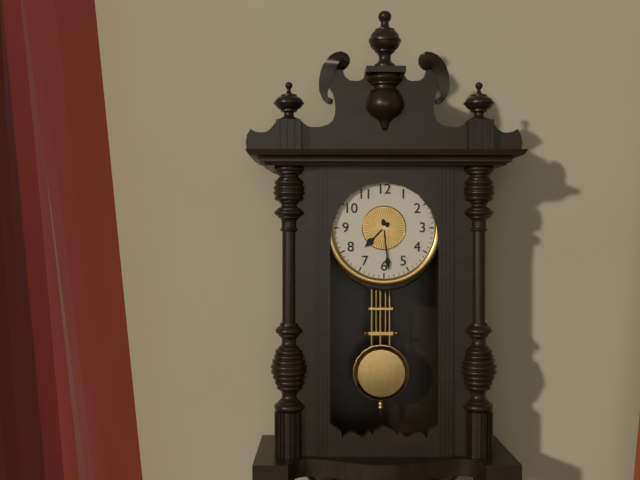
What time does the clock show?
7:29
